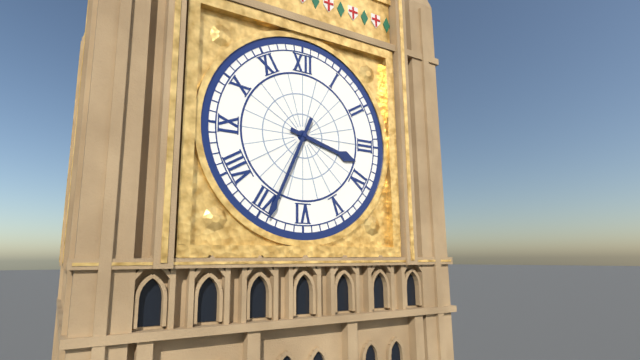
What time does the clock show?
3:34
